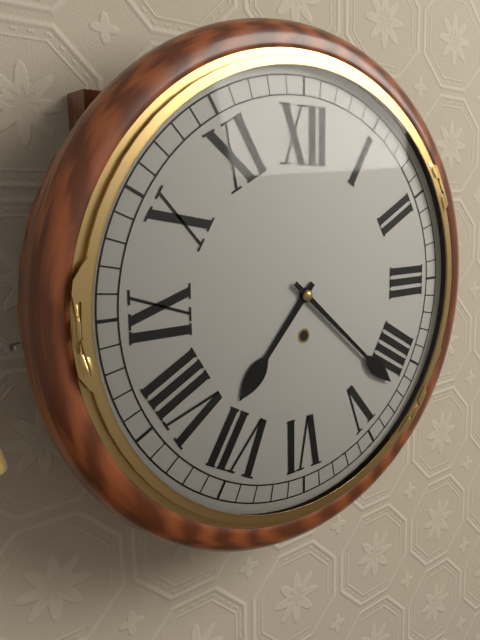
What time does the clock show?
7:22
